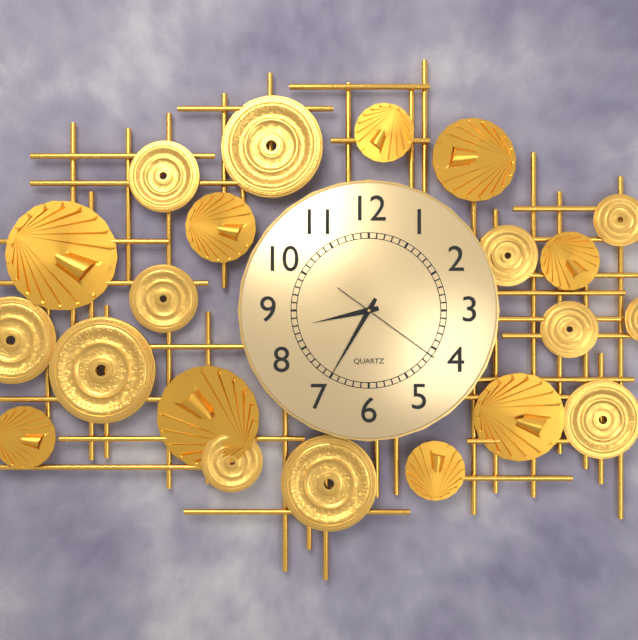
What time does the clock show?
8:35:21
